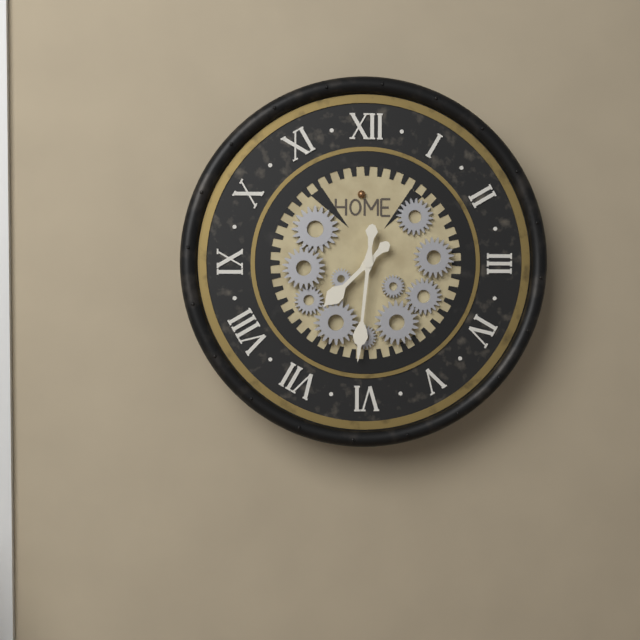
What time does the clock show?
7:31
